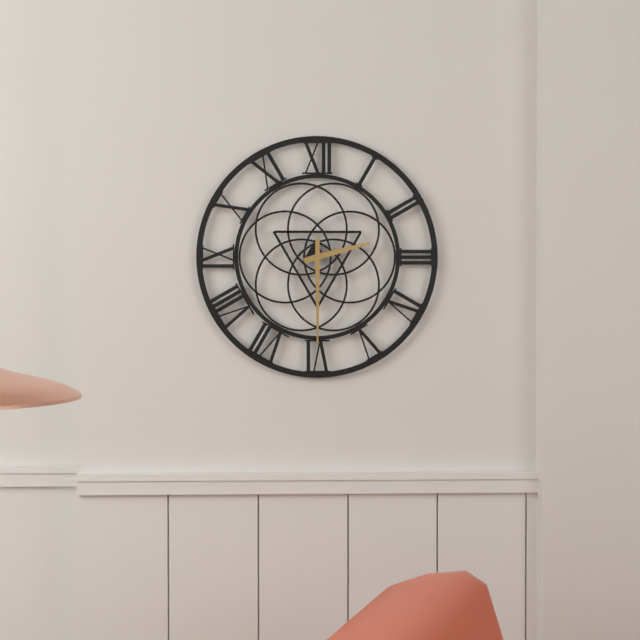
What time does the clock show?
2:30
